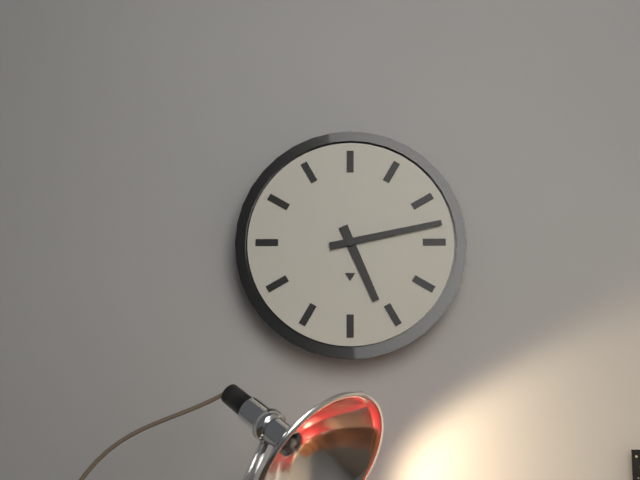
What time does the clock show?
5:13
